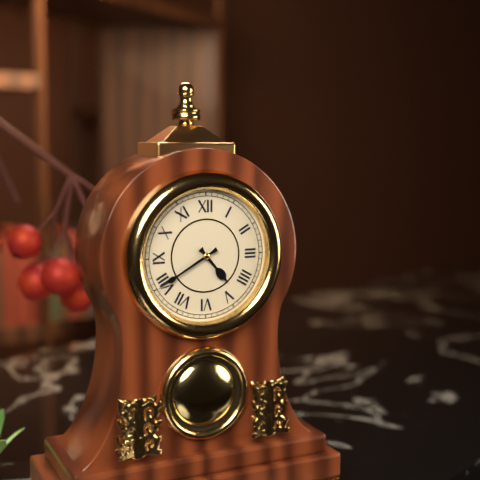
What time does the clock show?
4:40
